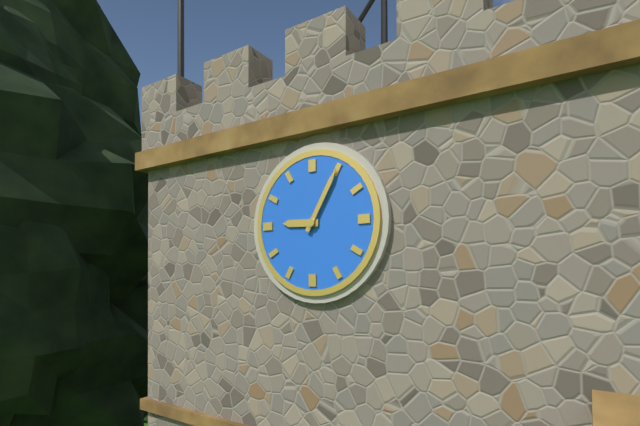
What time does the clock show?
9:05
